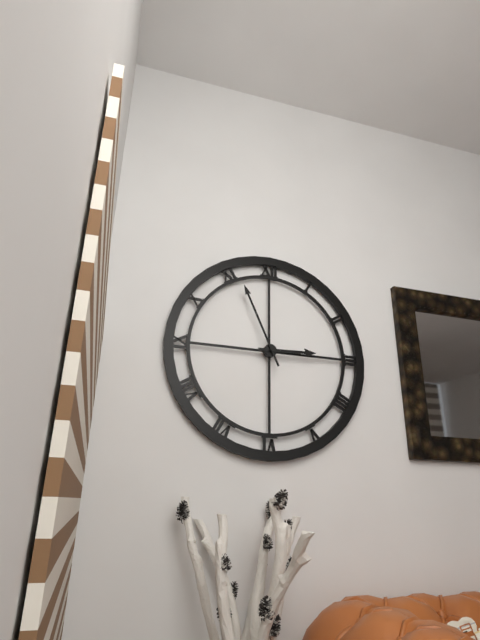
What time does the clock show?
2:56
